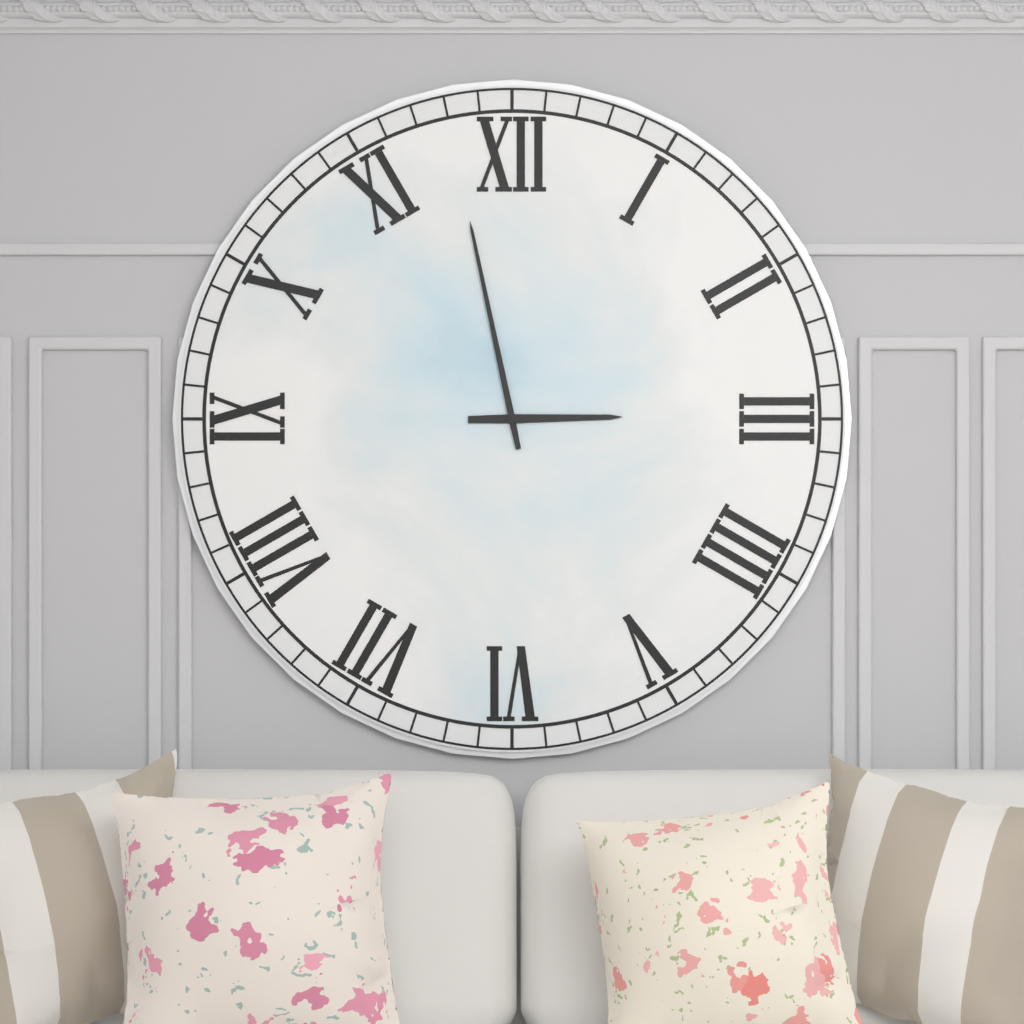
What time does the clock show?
2:58
